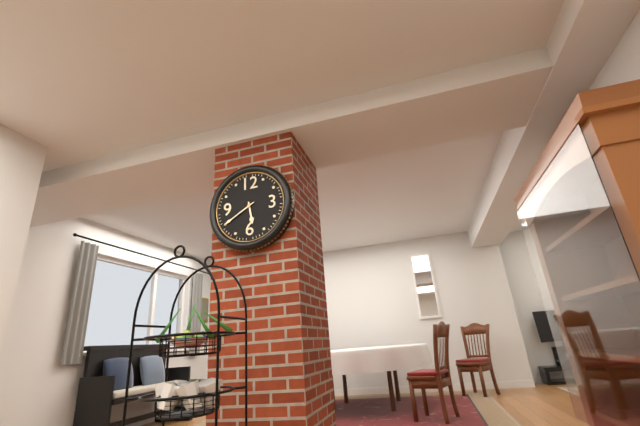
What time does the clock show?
5:40
